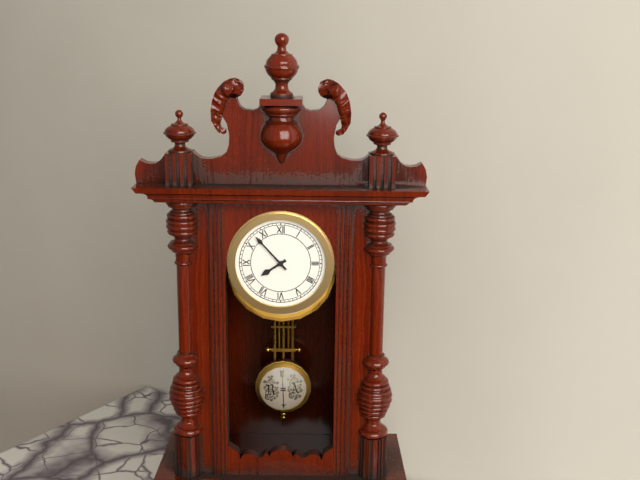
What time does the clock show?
7:53
